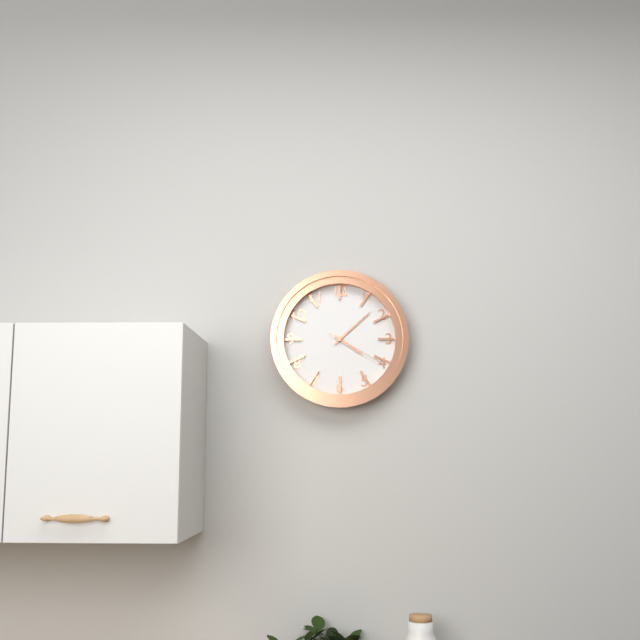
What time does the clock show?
4:08:20
